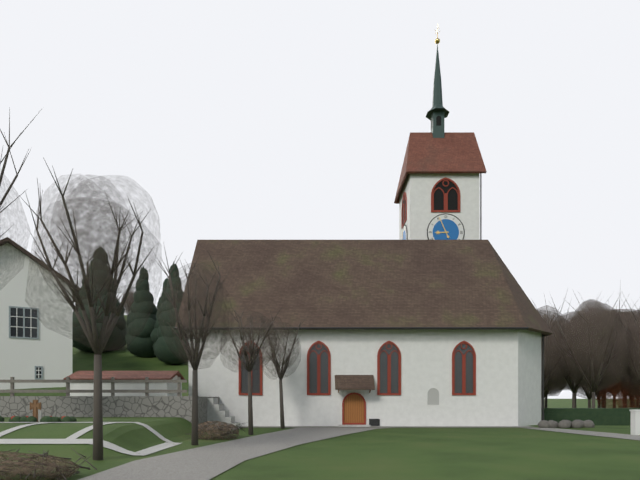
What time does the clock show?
8:56
